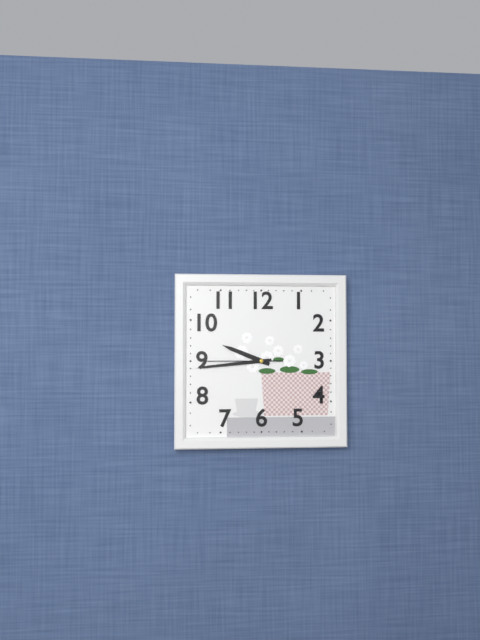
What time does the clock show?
9:44:45
